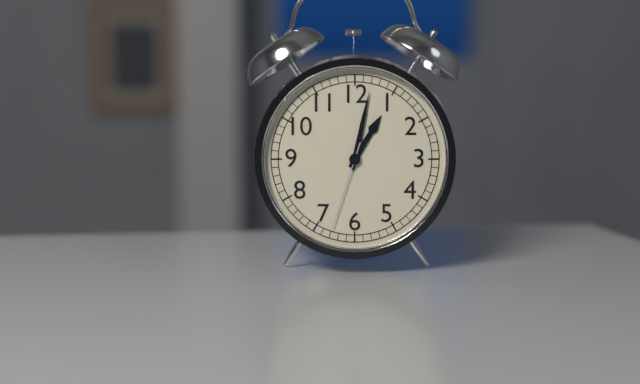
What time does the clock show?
1:02:33
